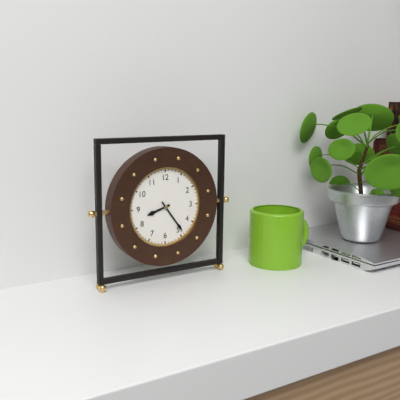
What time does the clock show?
8:24
